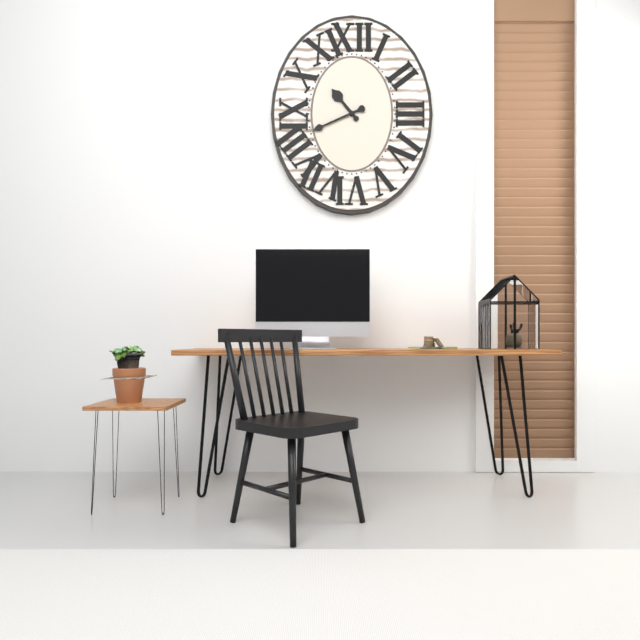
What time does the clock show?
10:41
